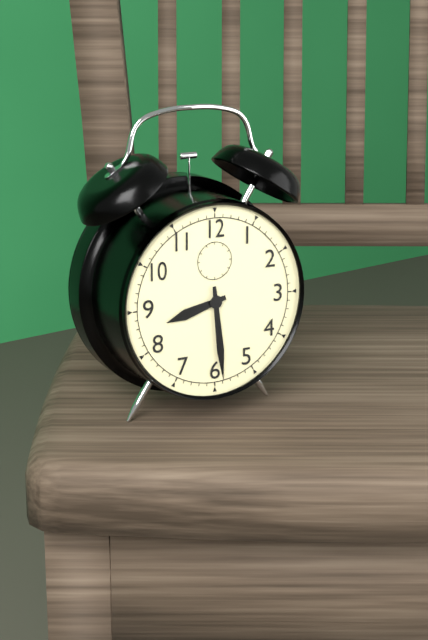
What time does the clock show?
8:29
